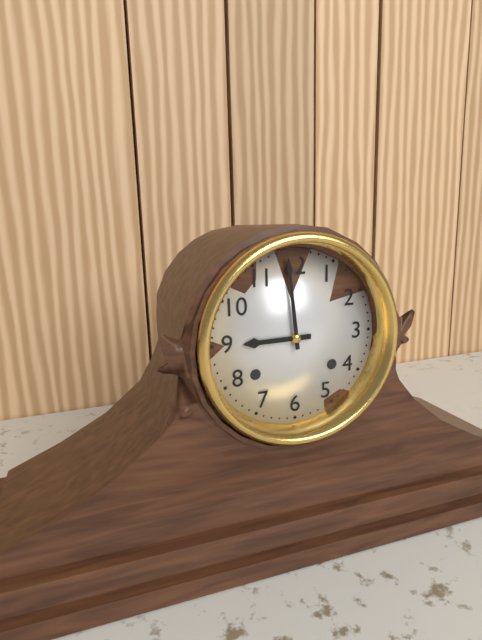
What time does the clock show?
8:59
